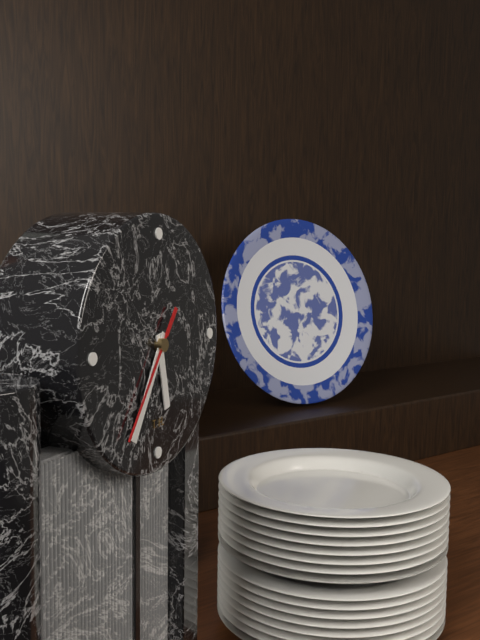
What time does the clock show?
5:35:36
